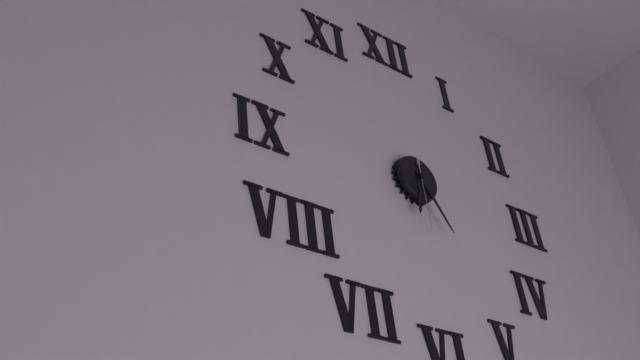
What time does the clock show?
6:25:30
